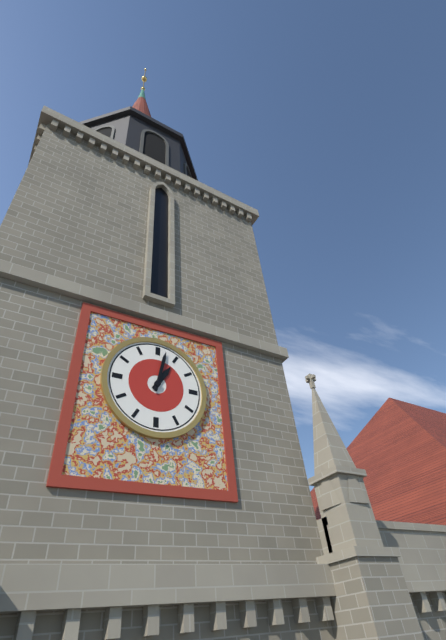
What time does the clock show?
1:02
